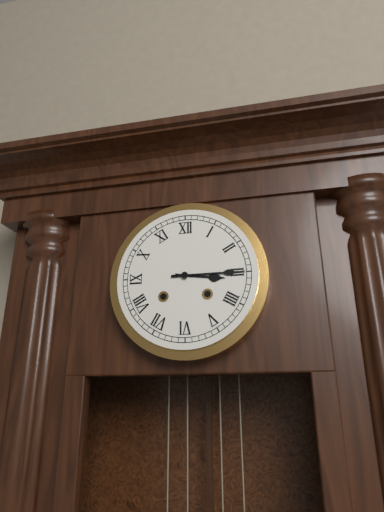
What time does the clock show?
3:15
